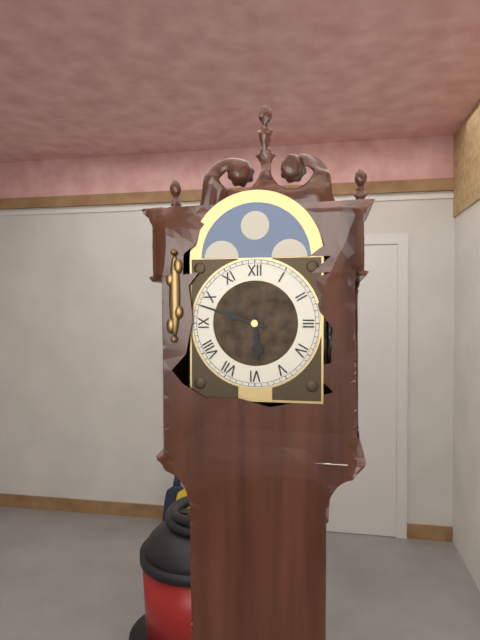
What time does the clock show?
5:48
